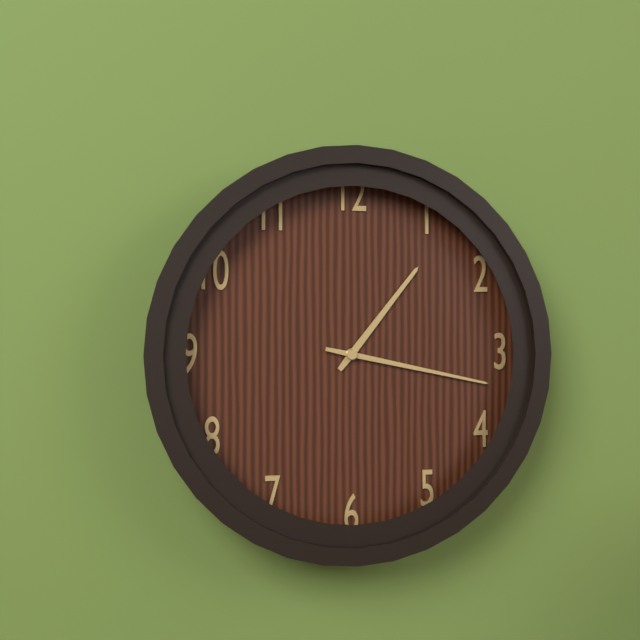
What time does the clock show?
1:17
